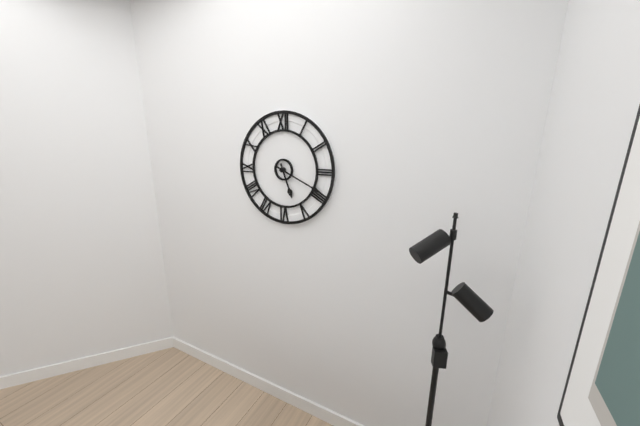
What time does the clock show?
5:19
